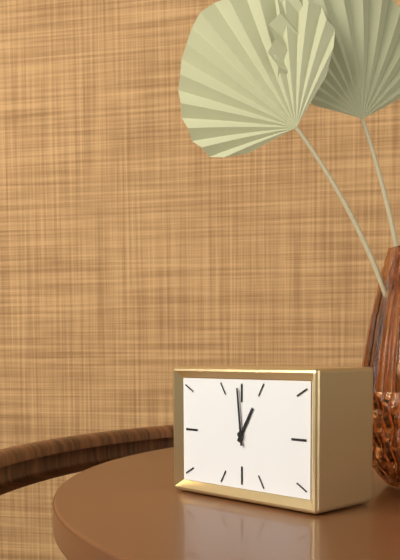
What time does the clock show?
12:59
